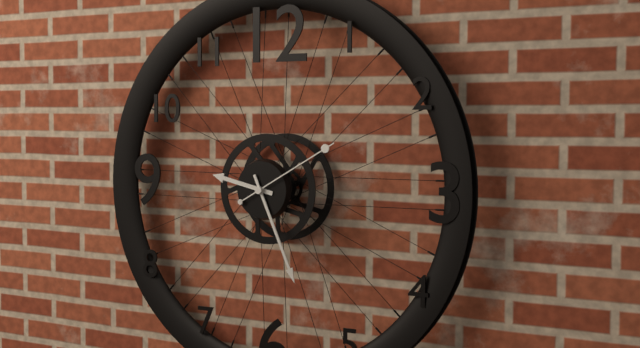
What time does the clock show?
9:26:10
